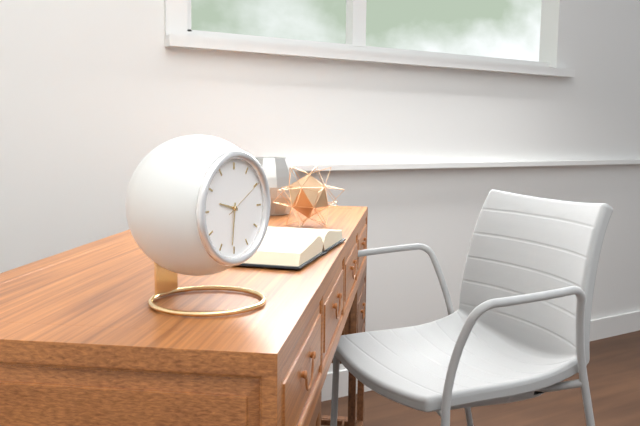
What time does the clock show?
9:31
